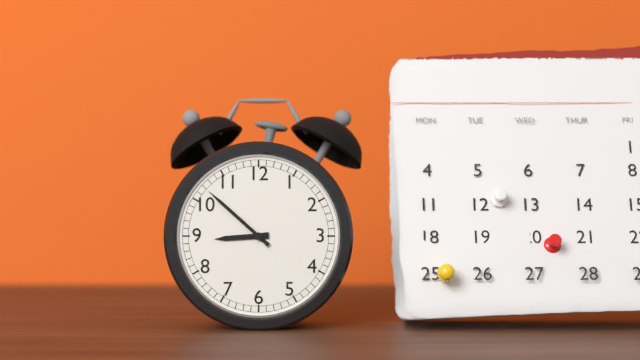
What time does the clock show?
8:52
